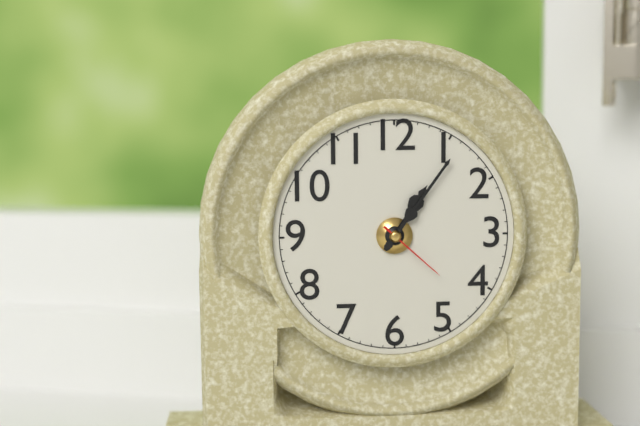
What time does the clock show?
1:06:22
